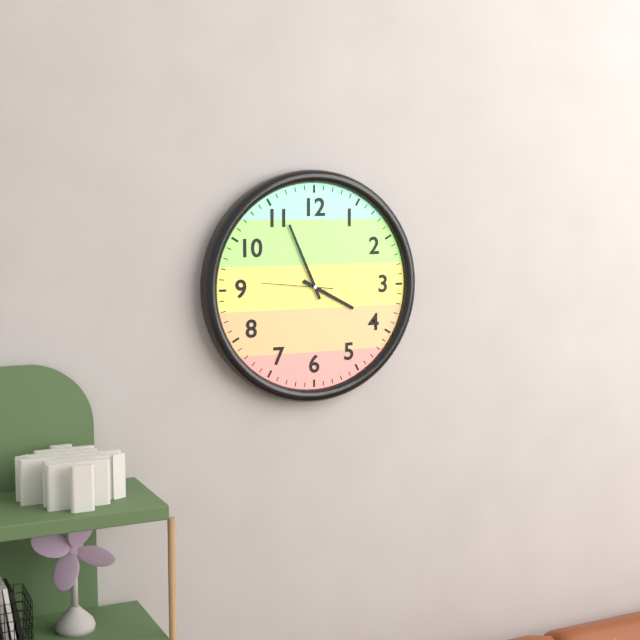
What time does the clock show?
3:56:46
